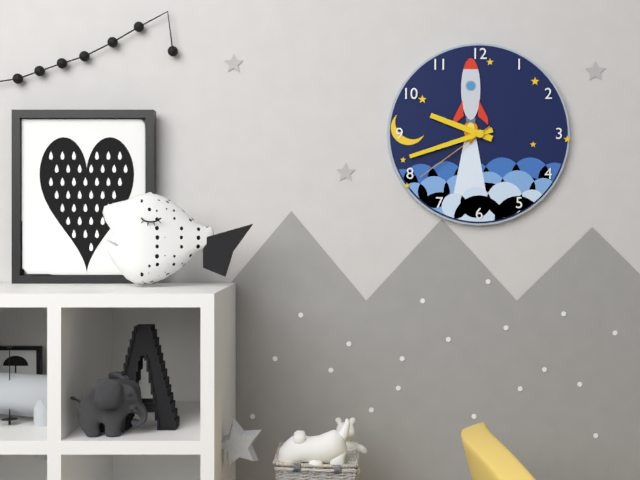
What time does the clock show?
9:42:39
